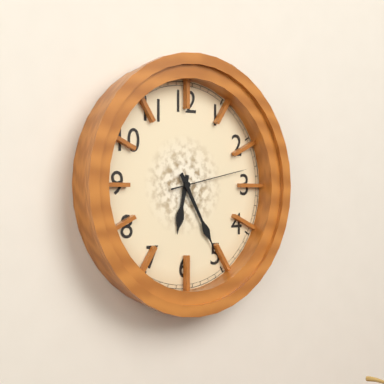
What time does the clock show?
6:25:13
